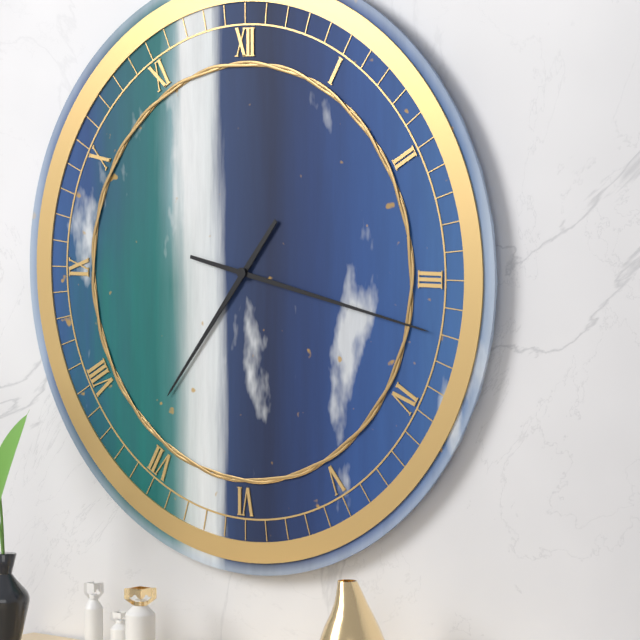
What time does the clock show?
7:17
